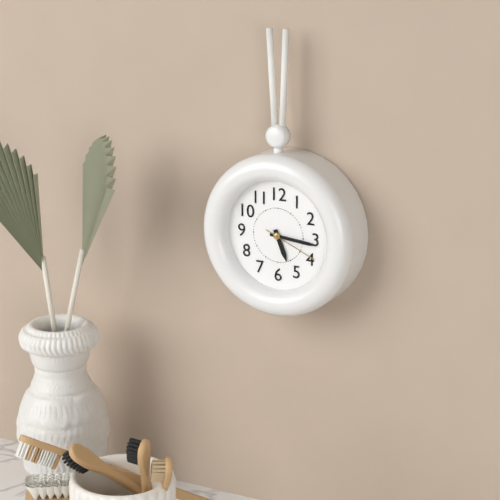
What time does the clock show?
5:16:19
